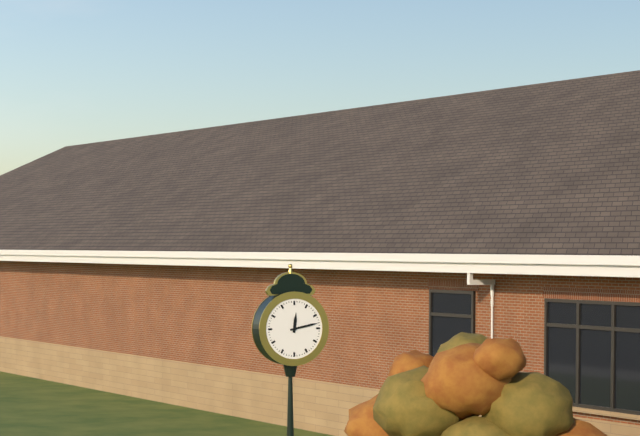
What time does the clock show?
12:13
